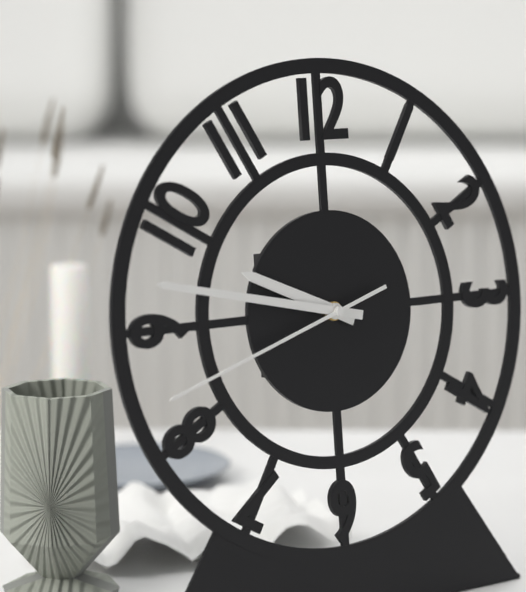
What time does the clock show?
9:47:42
